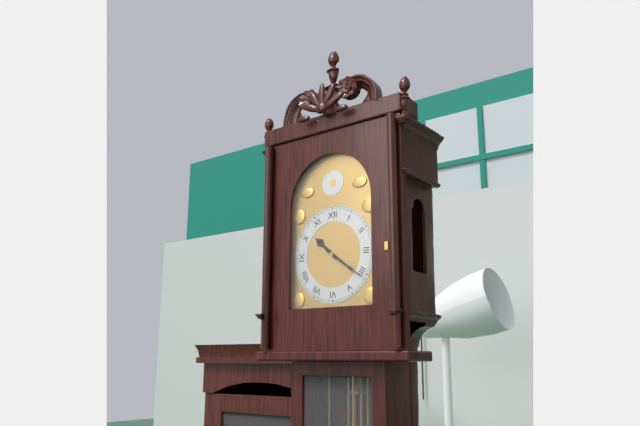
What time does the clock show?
10:21
